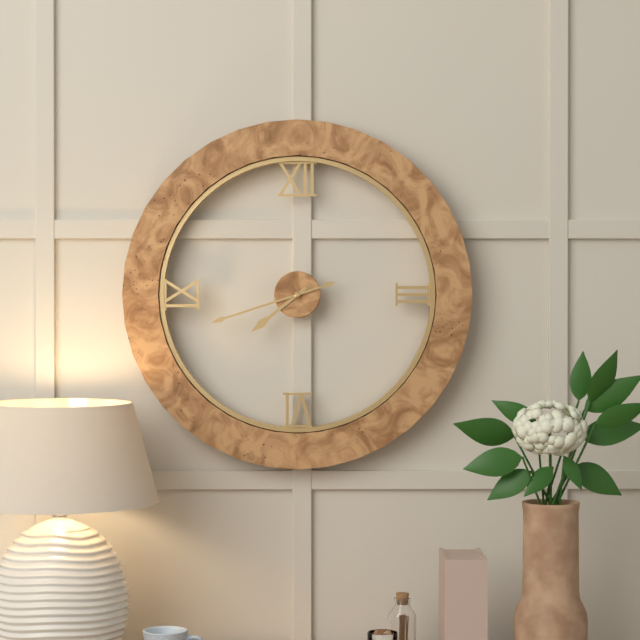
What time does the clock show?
7:42
